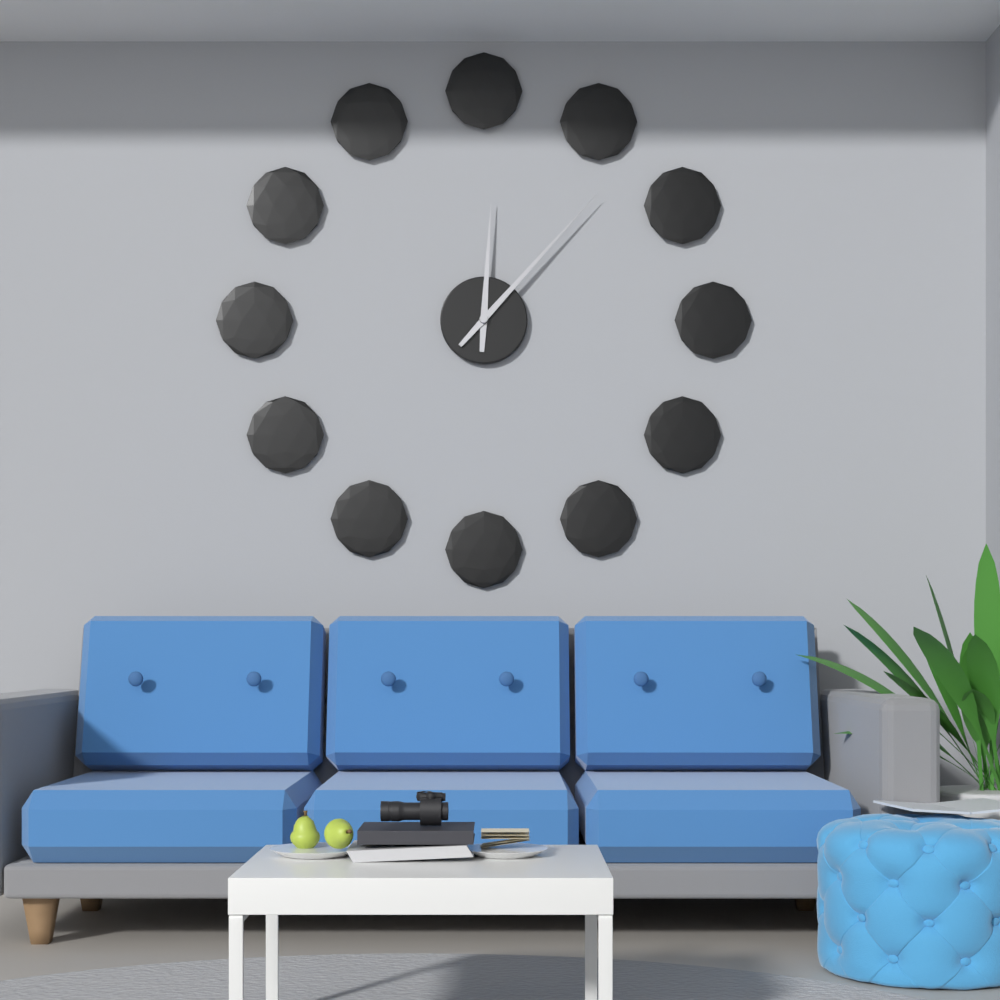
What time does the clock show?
12:07
